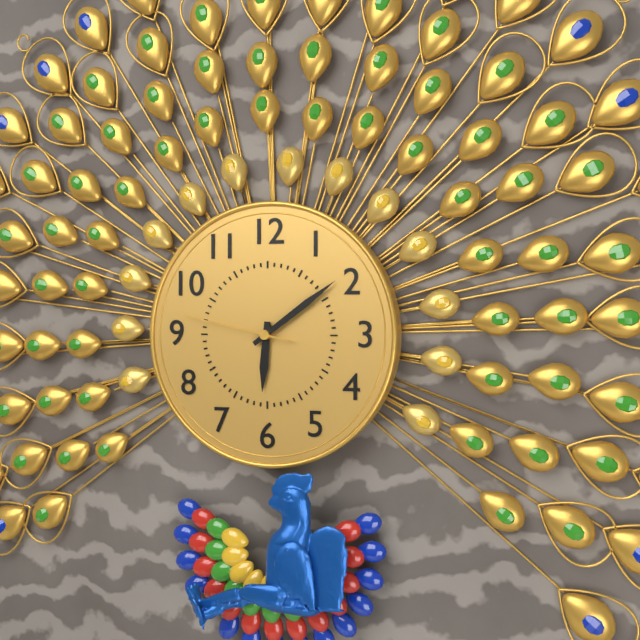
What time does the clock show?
6:09:47
